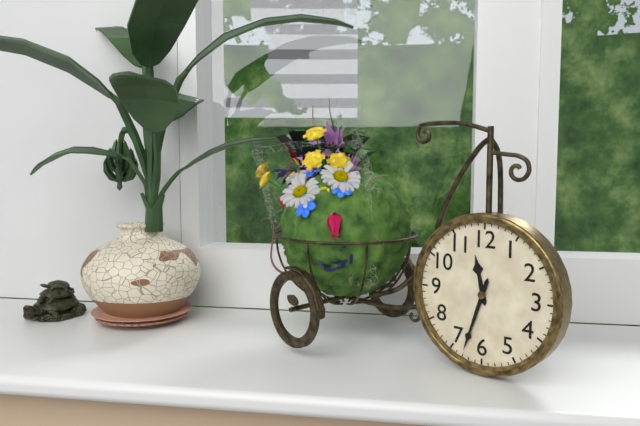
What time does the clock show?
11:33
